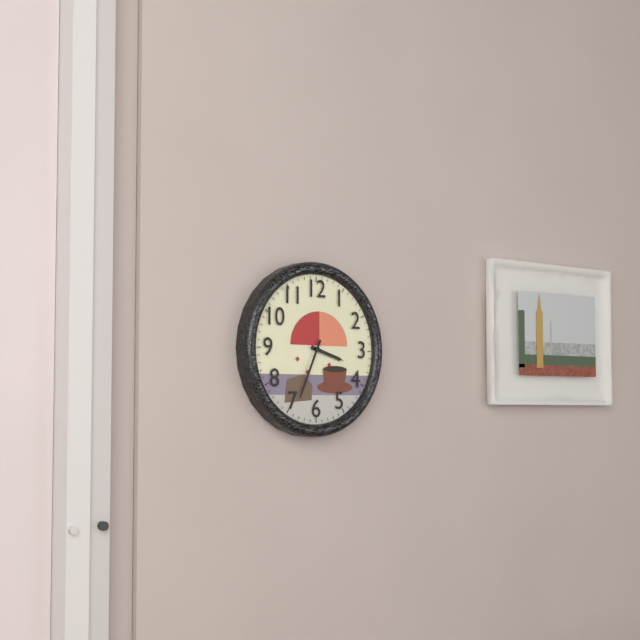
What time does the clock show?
3:34
